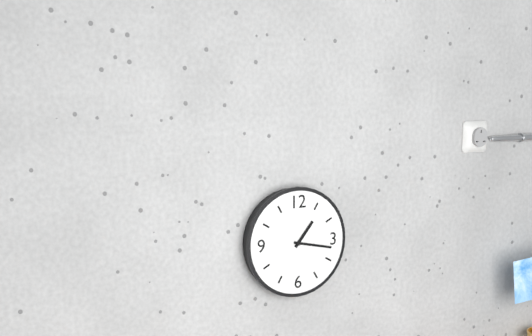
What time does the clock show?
1:17
